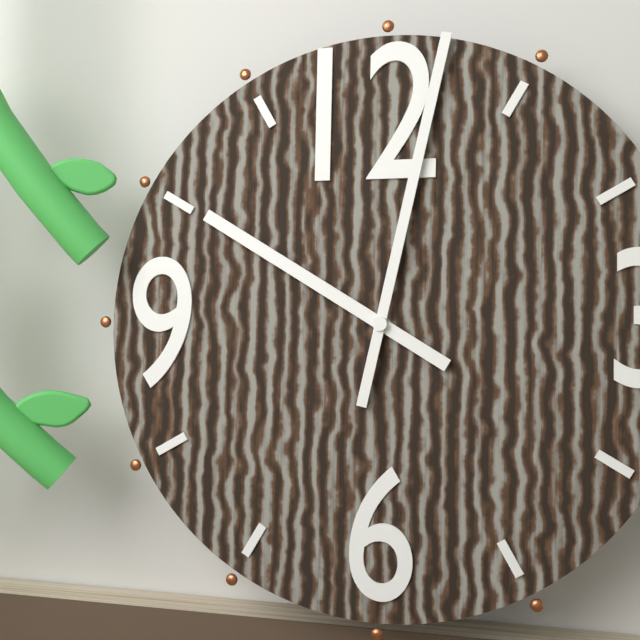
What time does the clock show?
10:02
